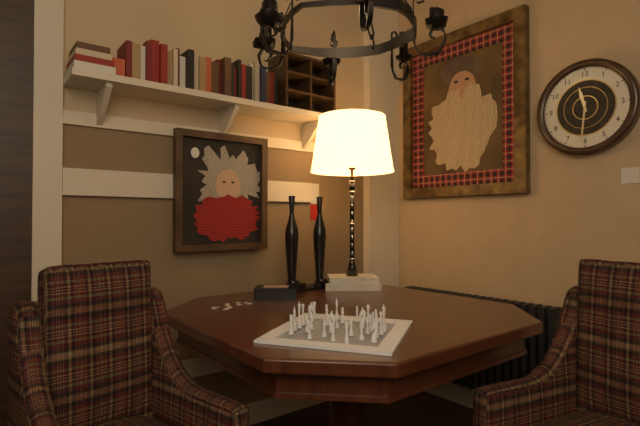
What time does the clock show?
11:31
